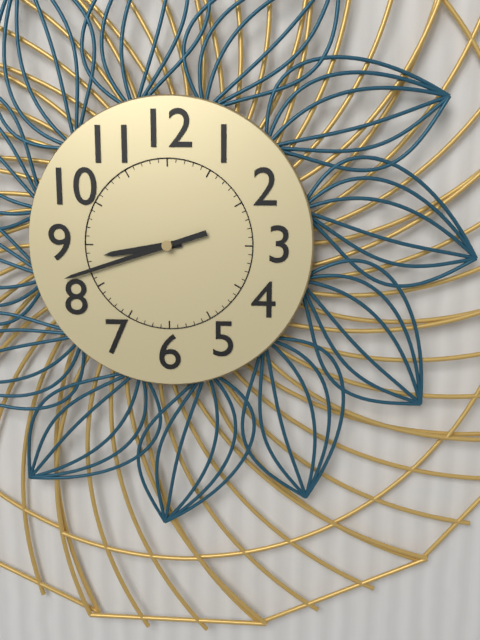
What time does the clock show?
8:42
